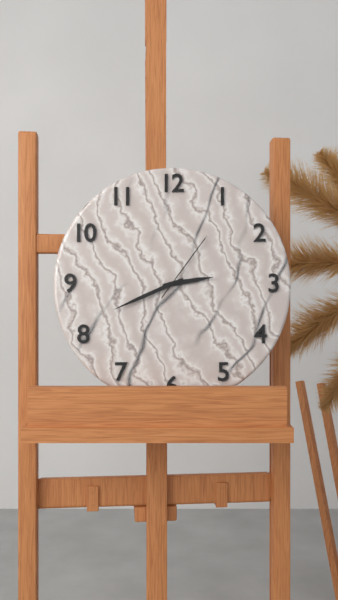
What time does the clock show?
2:41:06
